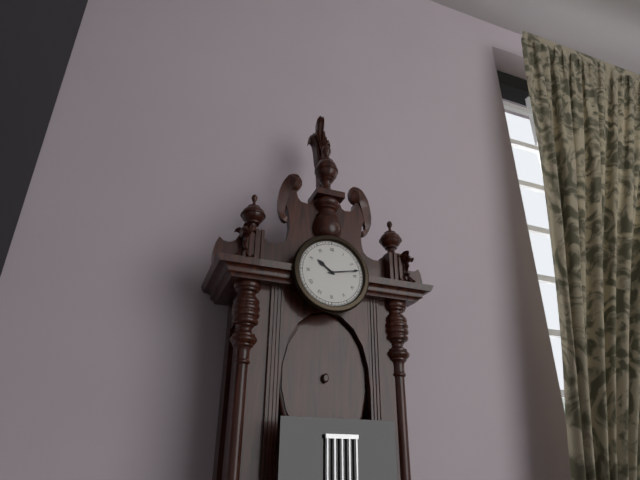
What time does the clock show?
10:13
